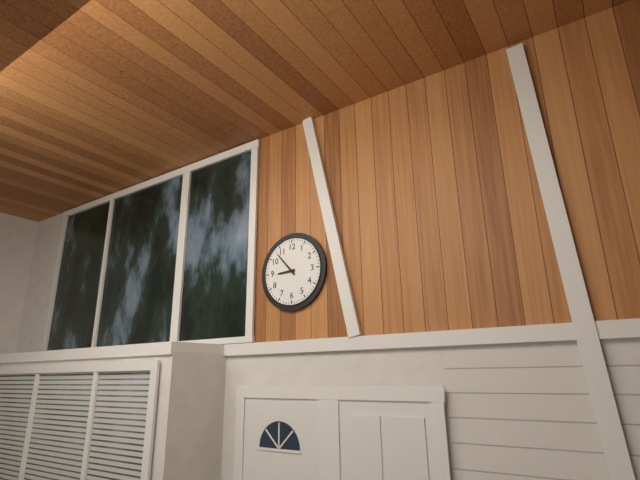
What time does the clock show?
8:53
